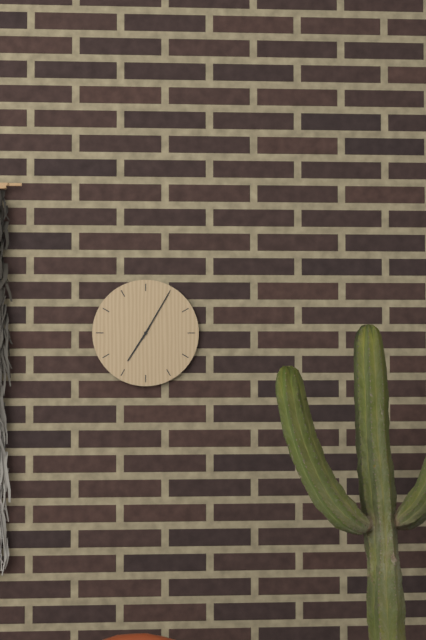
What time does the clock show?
7:05
